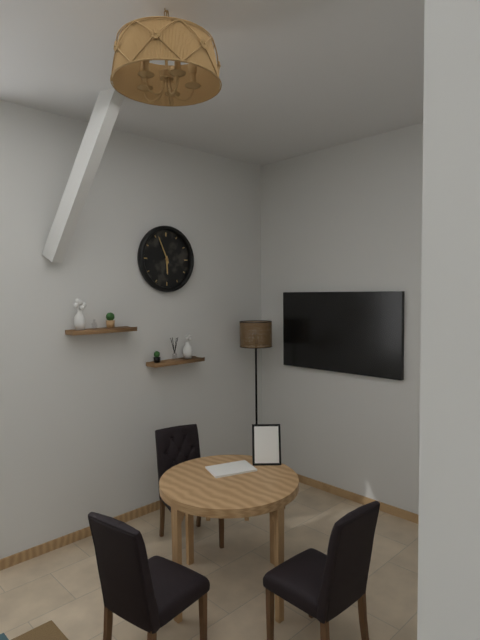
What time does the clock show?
5:56
